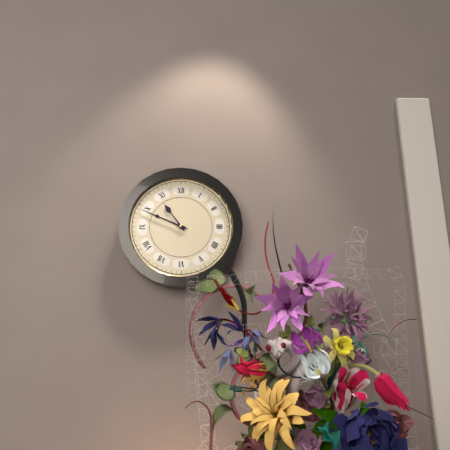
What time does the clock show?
10:49
